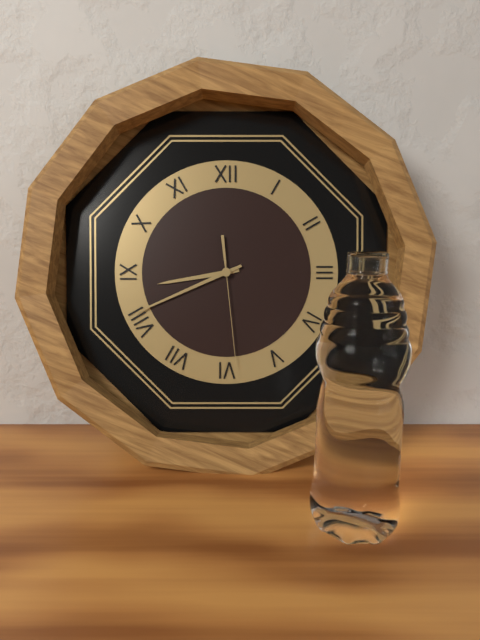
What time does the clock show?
8:41:29
